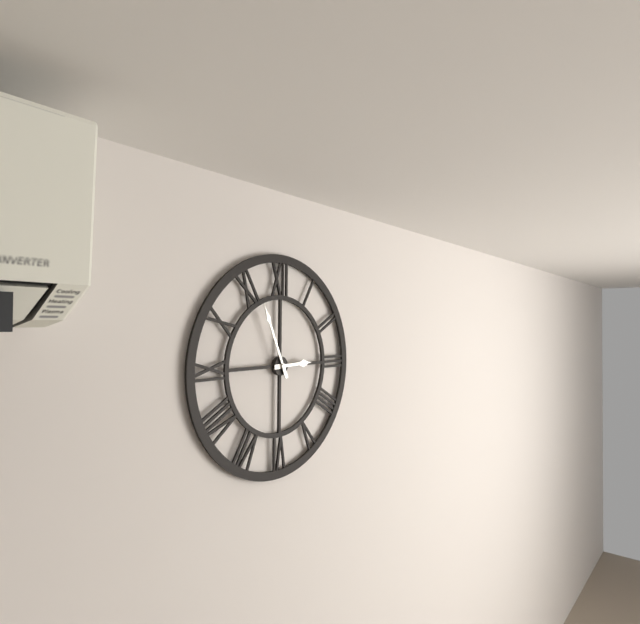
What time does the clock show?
2:56
